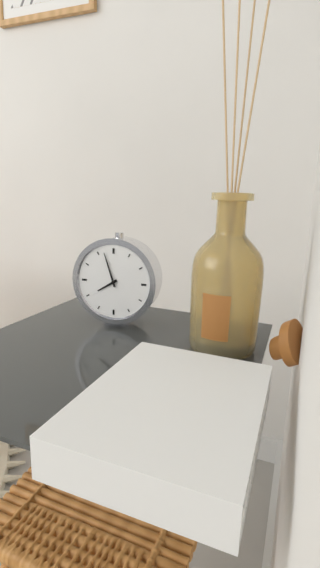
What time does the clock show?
7:57
